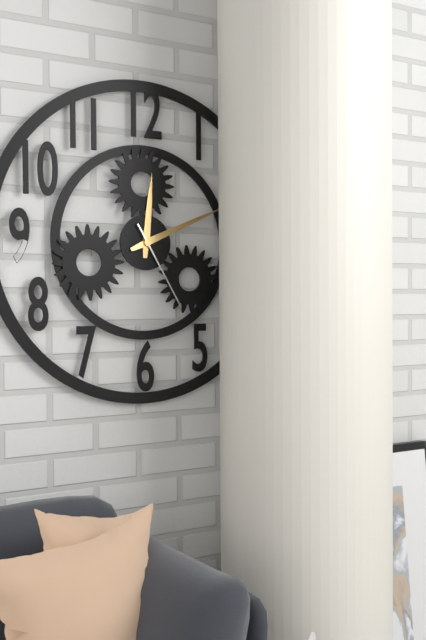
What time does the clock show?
12:11:25
